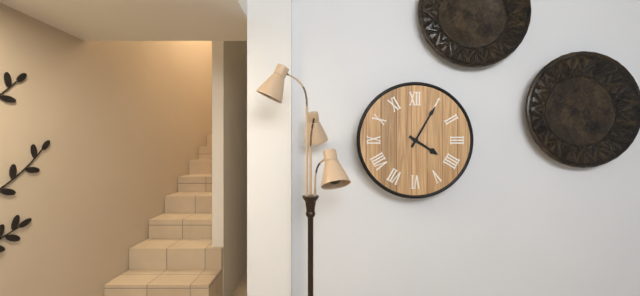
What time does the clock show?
4:05
